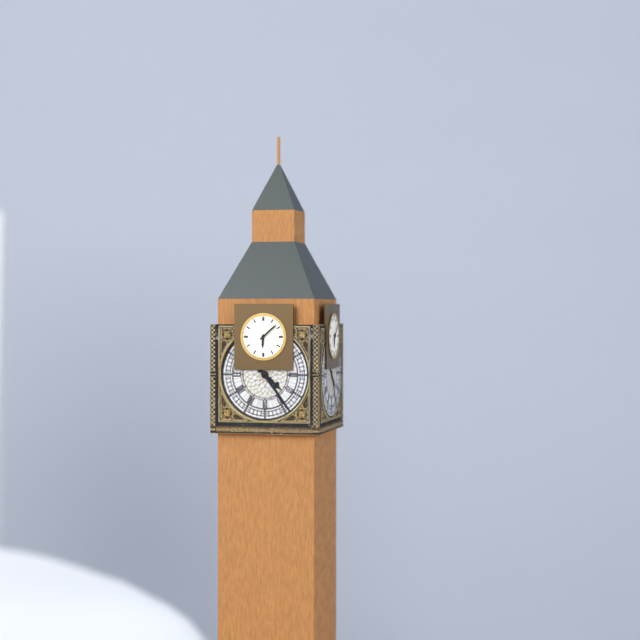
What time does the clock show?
6:08
